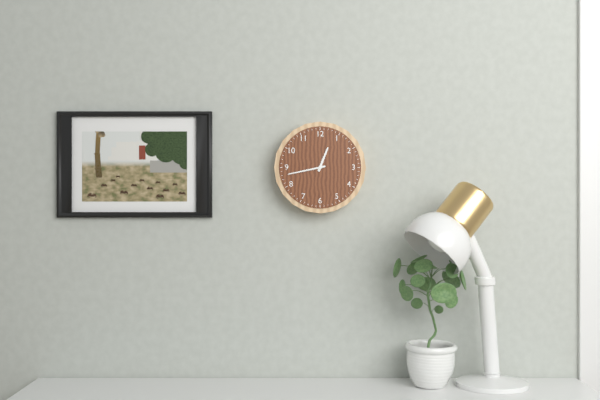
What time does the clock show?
12:43
